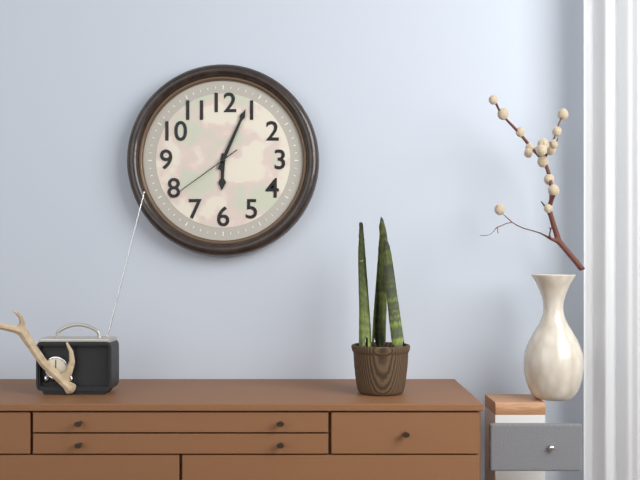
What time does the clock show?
6:04:39
